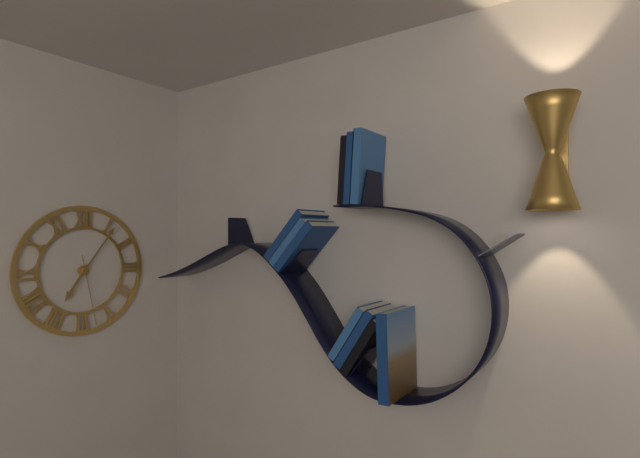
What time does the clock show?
7:06:28
